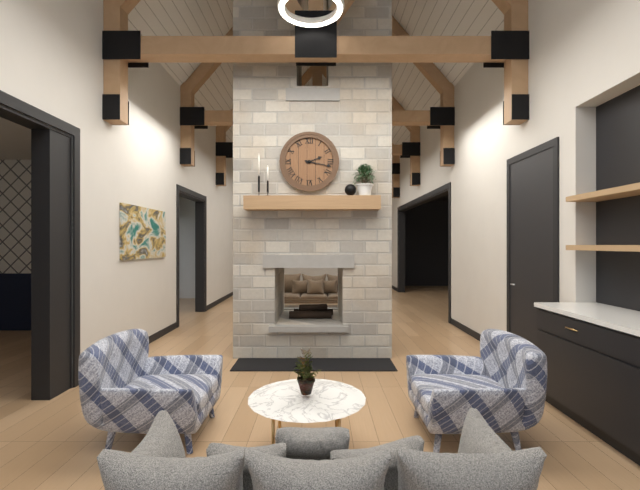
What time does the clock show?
2:17
